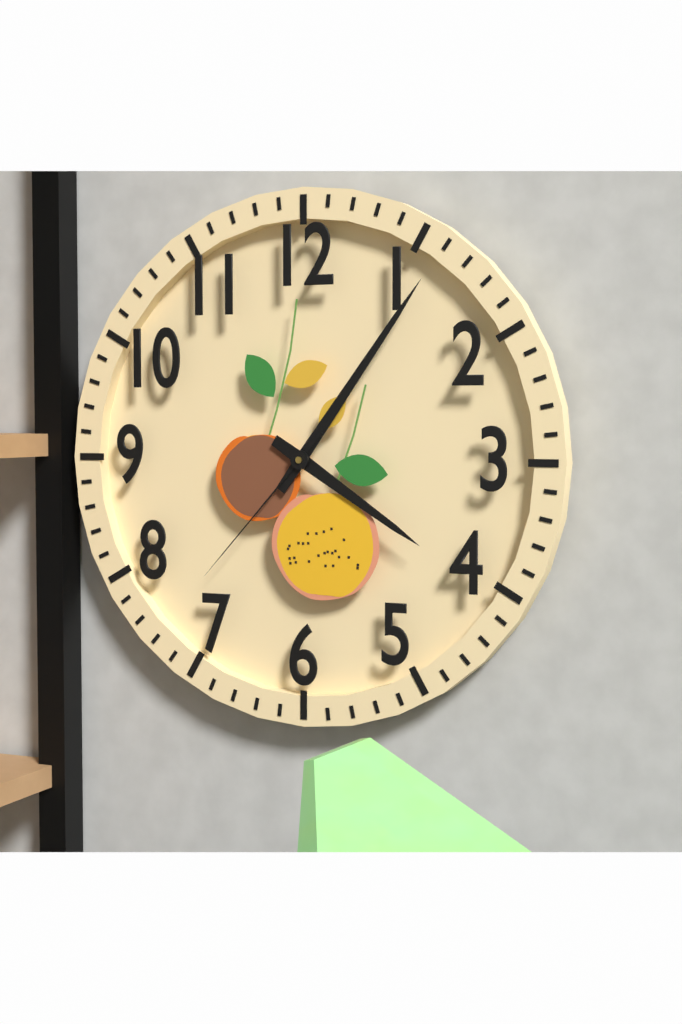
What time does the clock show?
4:06:37
